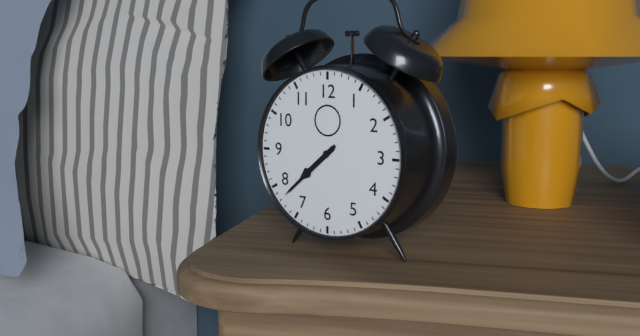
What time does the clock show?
7:38
